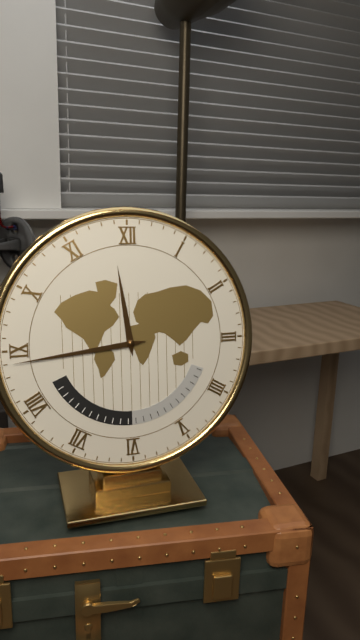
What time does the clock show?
11:44
